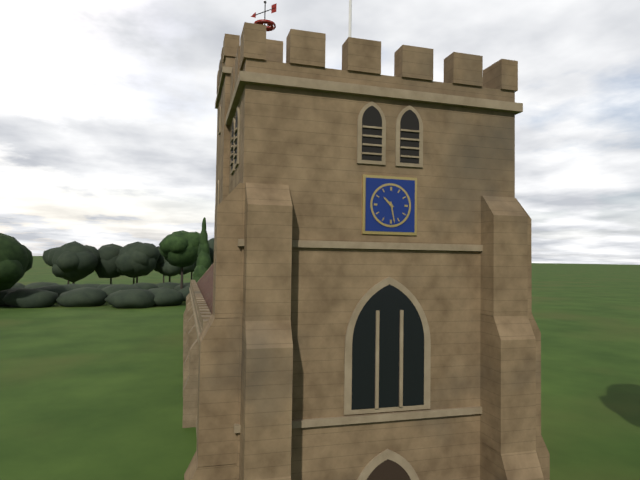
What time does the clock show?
10:28
